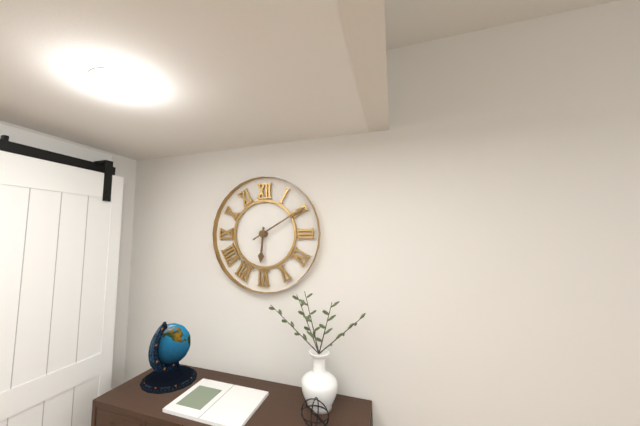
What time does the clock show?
6:10
